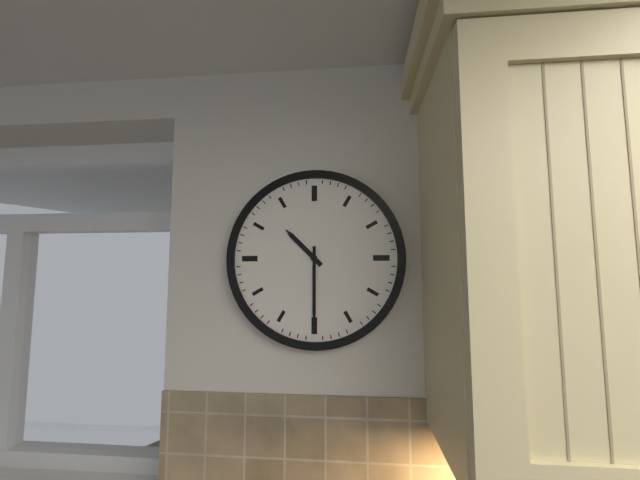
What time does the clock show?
10:30
